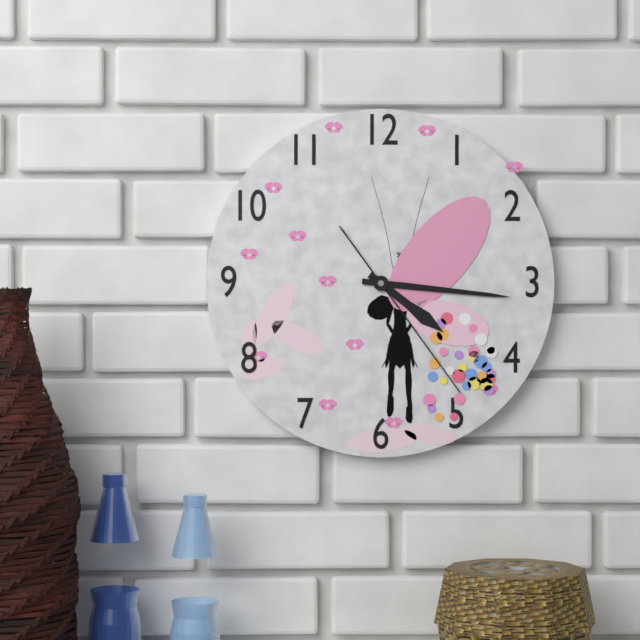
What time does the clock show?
4:16:24
